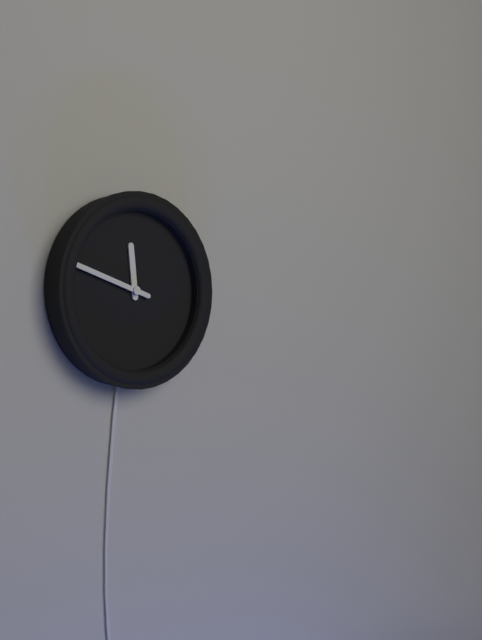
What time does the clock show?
11:48
